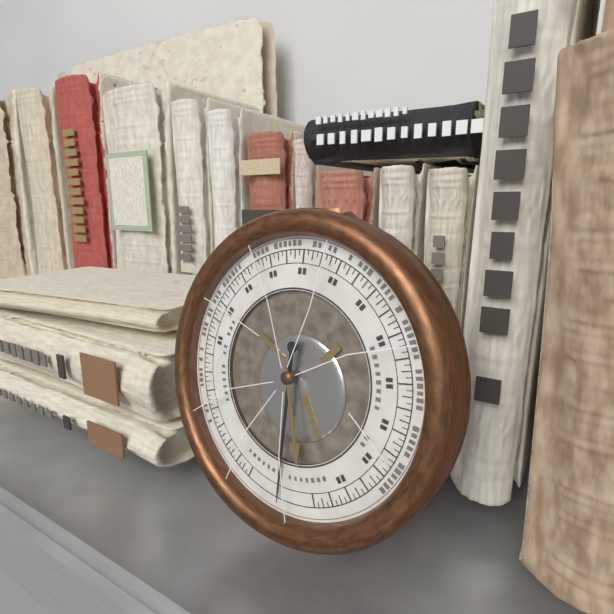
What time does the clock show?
5:30
